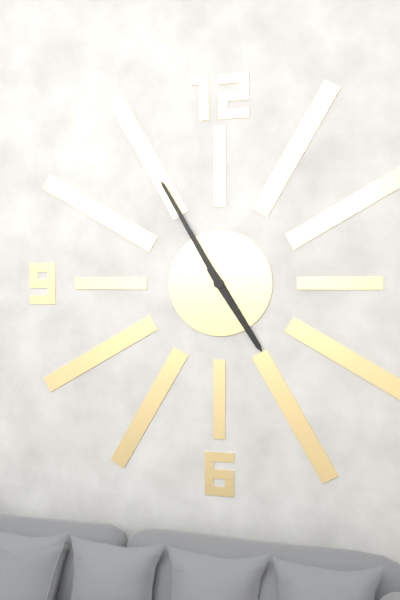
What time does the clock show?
4:55
